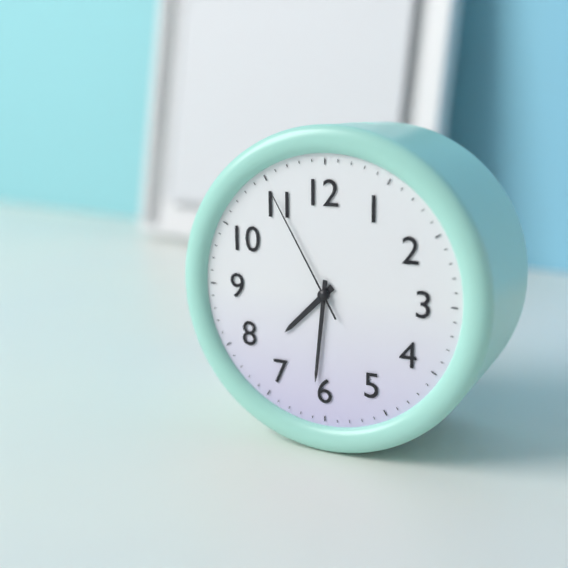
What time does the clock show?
7:31:55
